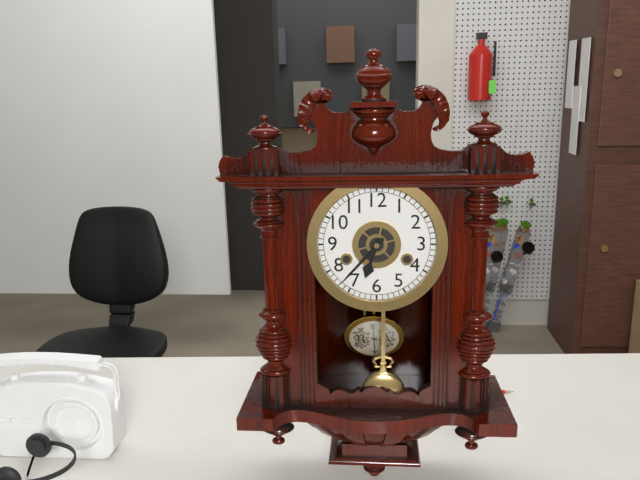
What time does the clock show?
6:37
